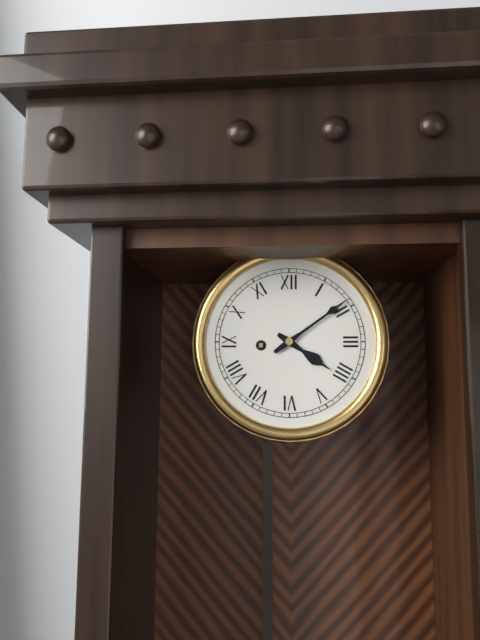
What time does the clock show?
4:09
